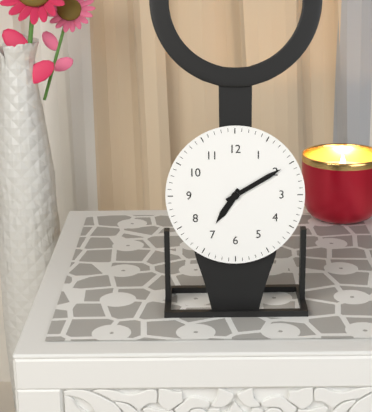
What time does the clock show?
7:10
